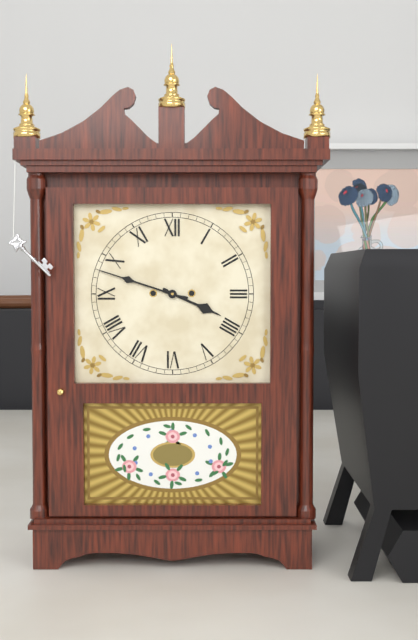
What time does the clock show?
3:48
